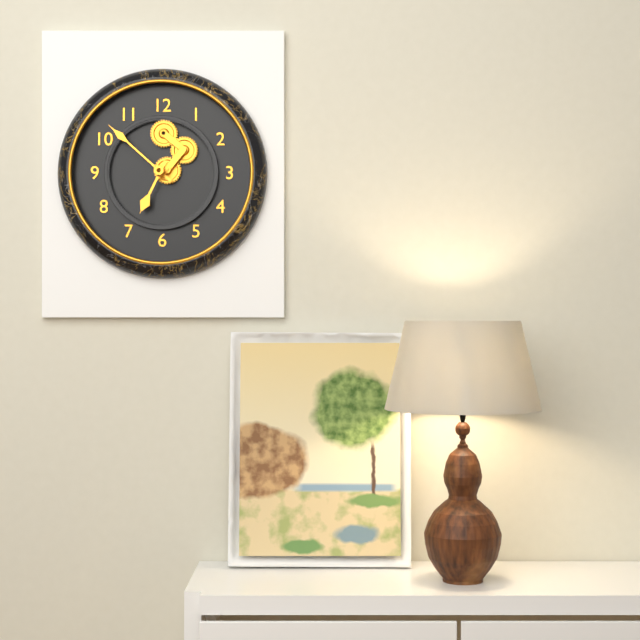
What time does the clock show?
6:52
